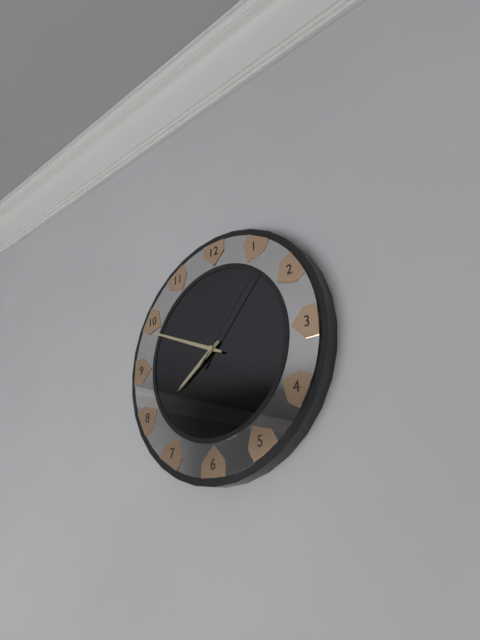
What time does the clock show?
7:49:07
